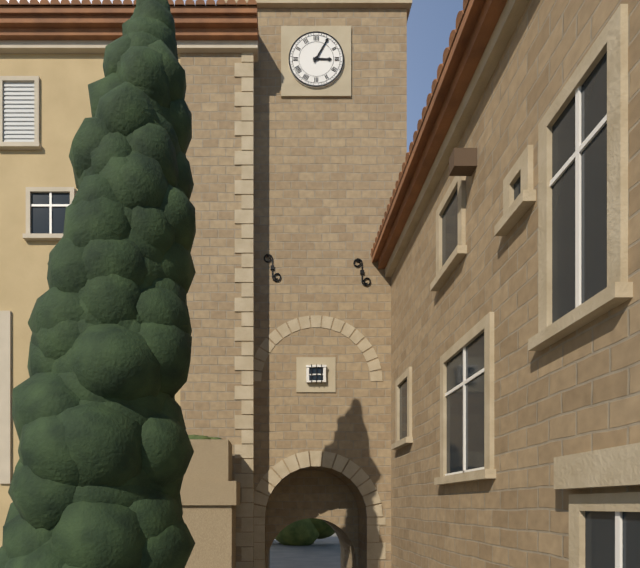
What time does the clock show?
3:05
